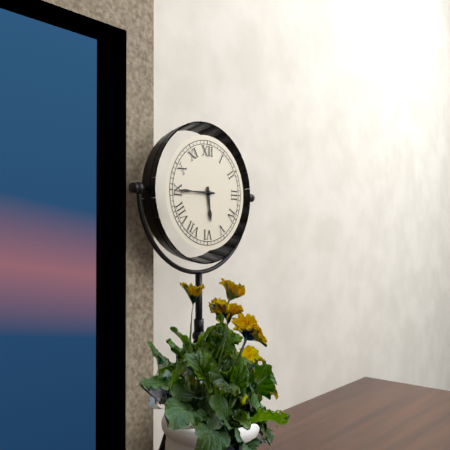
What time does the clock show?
5:45
